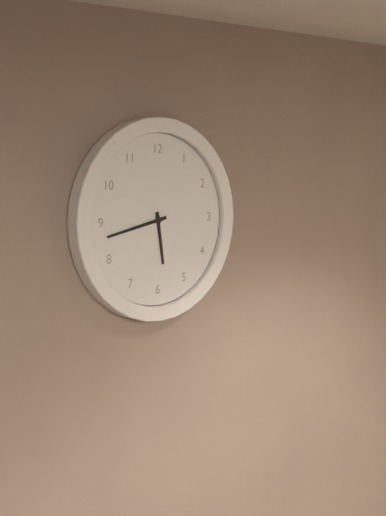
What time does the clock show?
5:43
